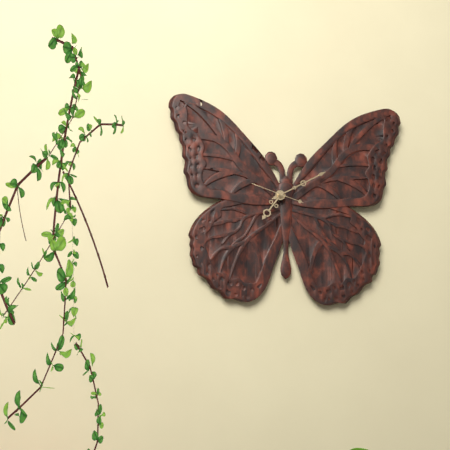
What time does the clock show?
7:10
